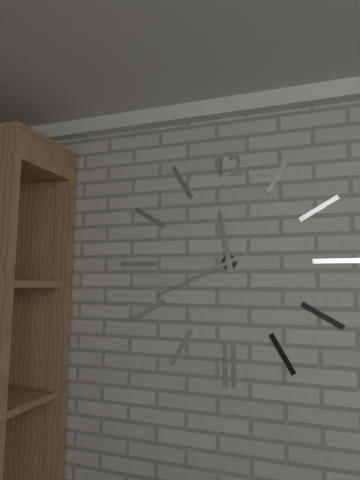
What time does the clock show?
11:41
